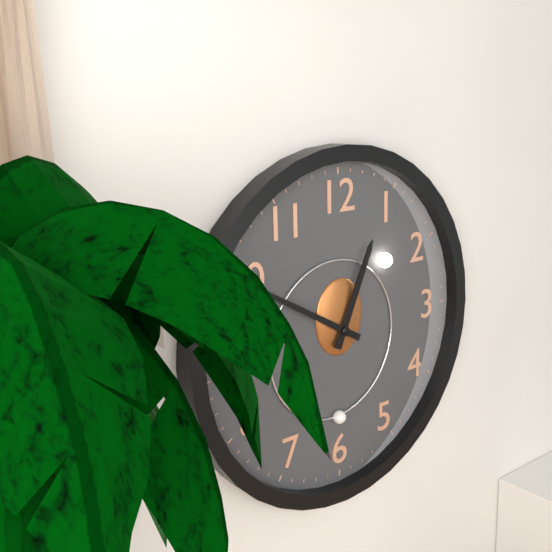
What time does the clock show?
12:50
